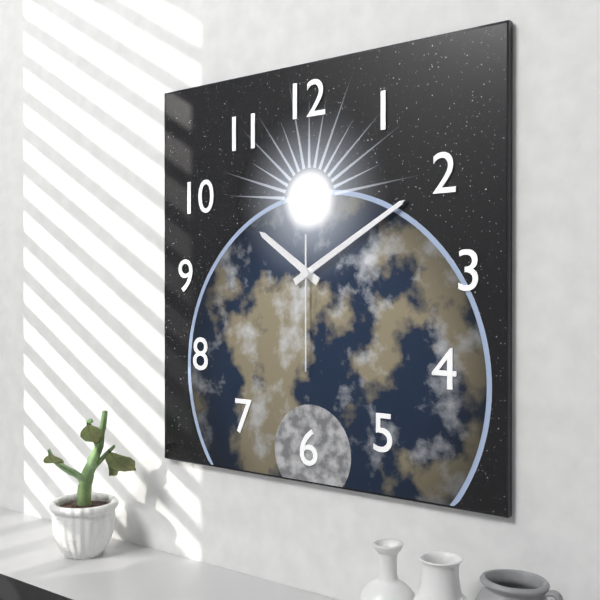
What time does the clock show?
10:10:30
